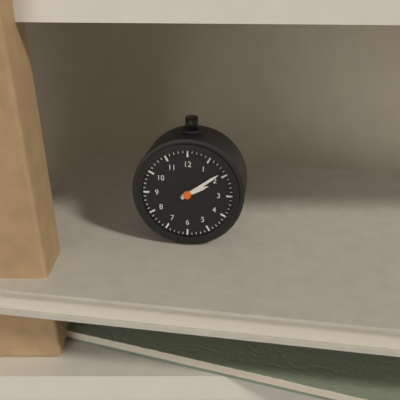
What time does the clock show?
2:09
